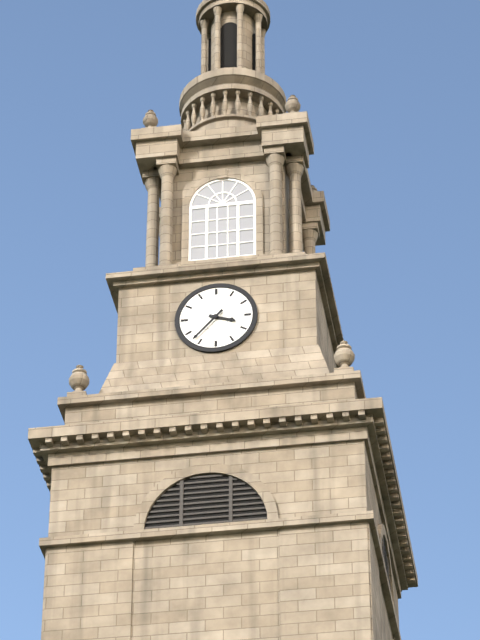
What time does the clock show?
3:37
